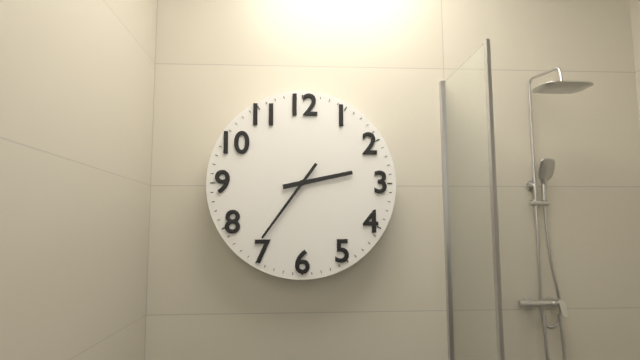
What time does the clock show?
2:36
